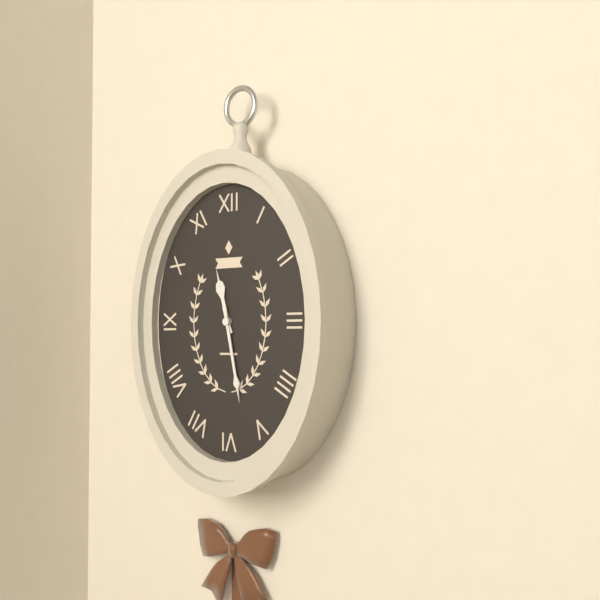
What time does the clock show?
11:28
